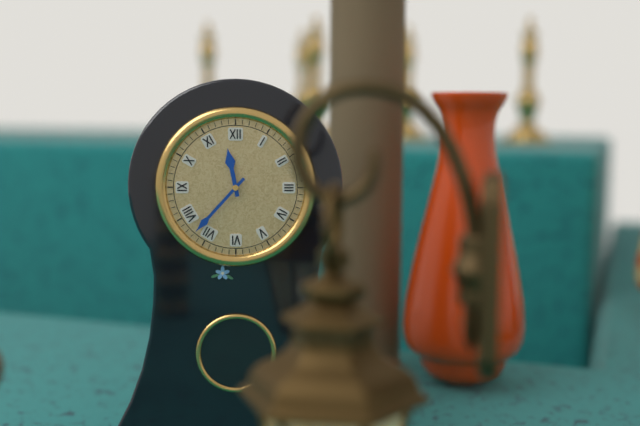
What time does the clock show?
11:37
